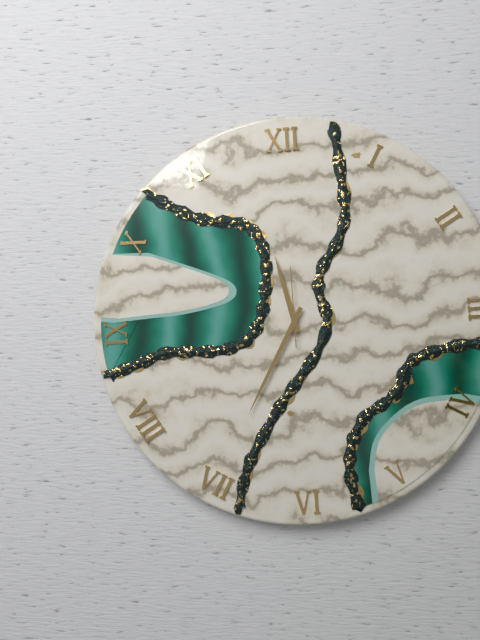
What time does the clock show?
11:35:00
